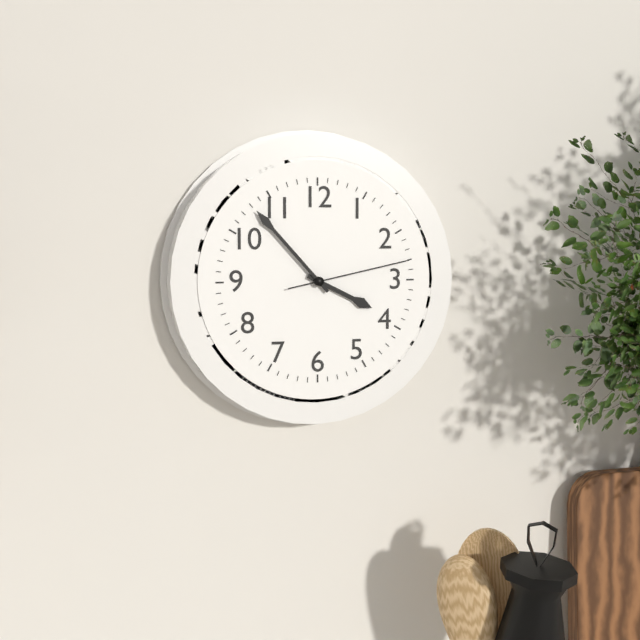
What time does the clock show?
3:53:13
